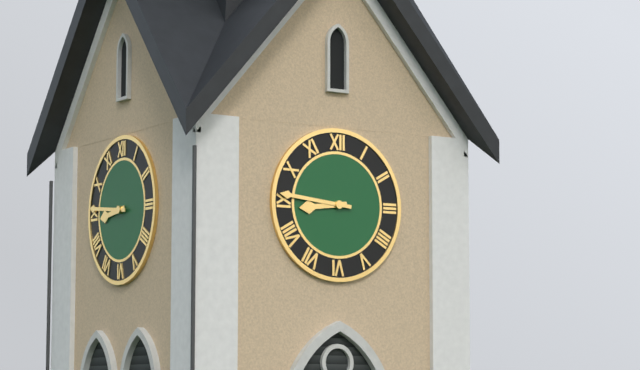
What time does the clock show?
8:46
